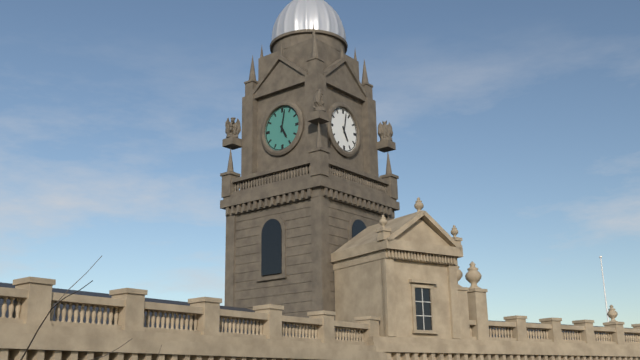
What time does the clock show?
5:02
